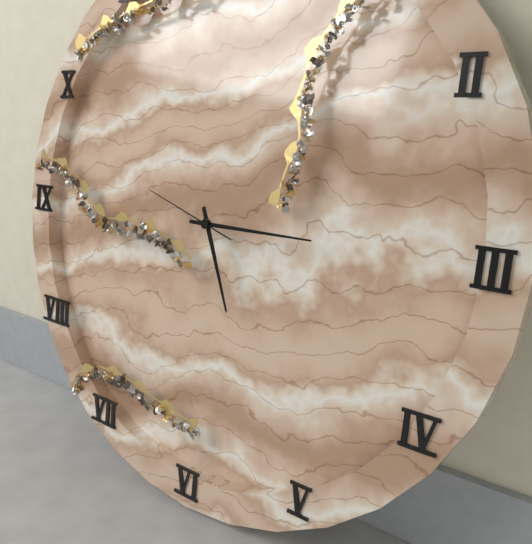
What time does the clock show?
5:15:48
